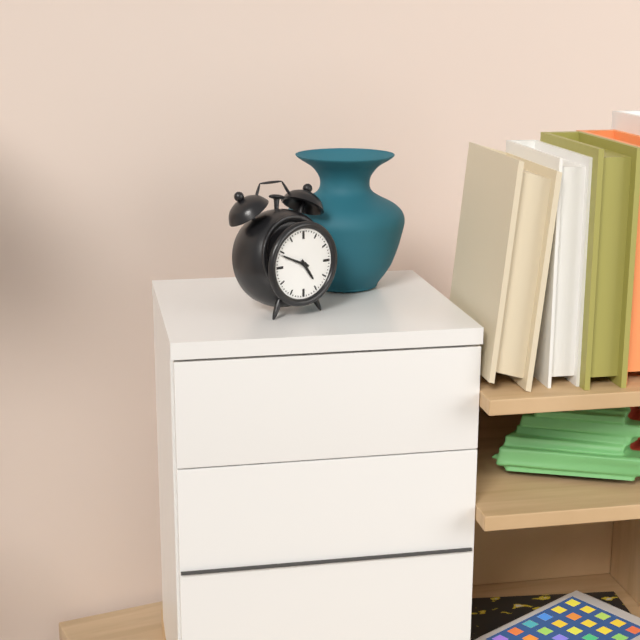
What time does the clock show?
4:49
